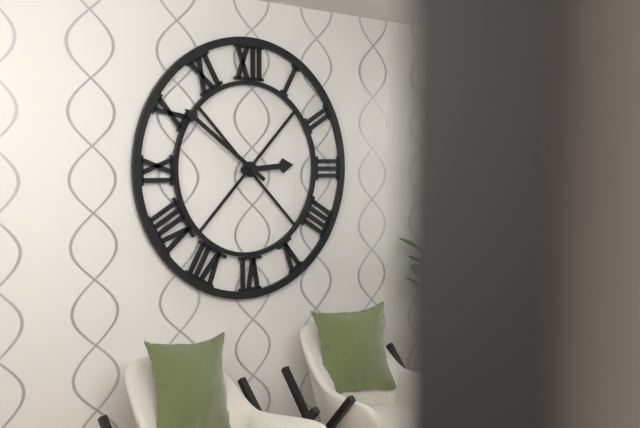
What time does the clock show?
2:51
